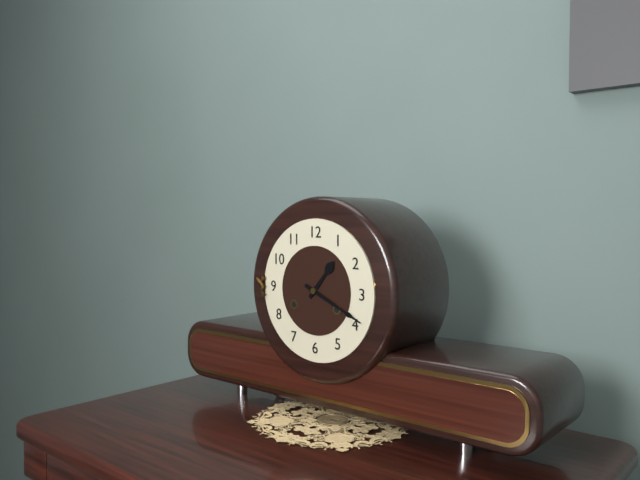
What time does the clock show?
1:19
